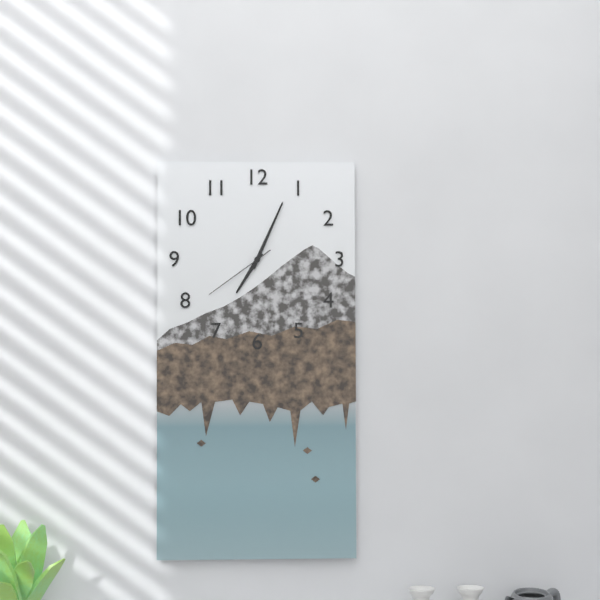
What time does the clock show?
7:04:39
